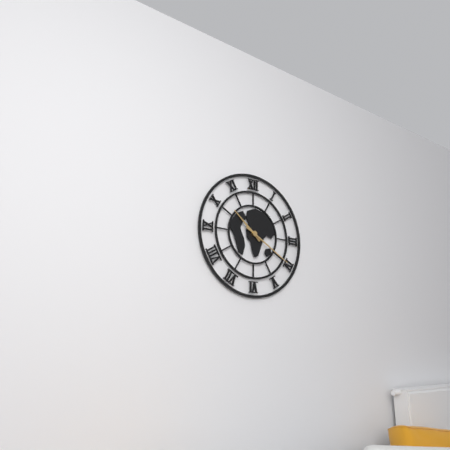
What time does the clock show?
10:20
